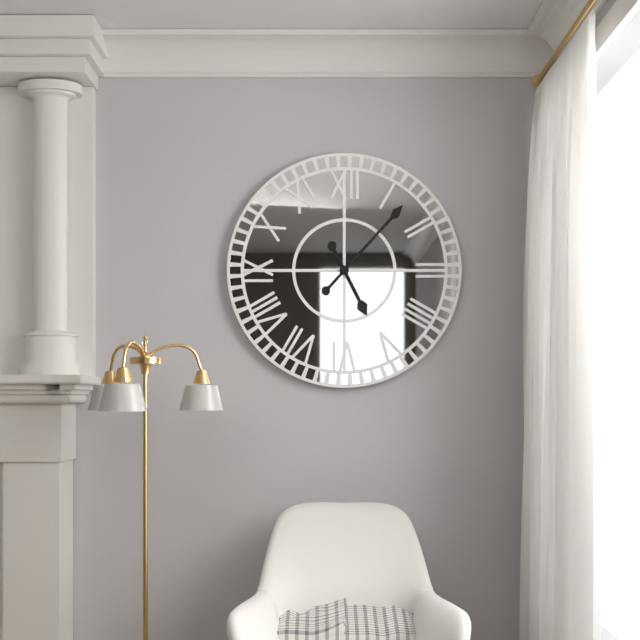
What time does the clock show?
5:07
